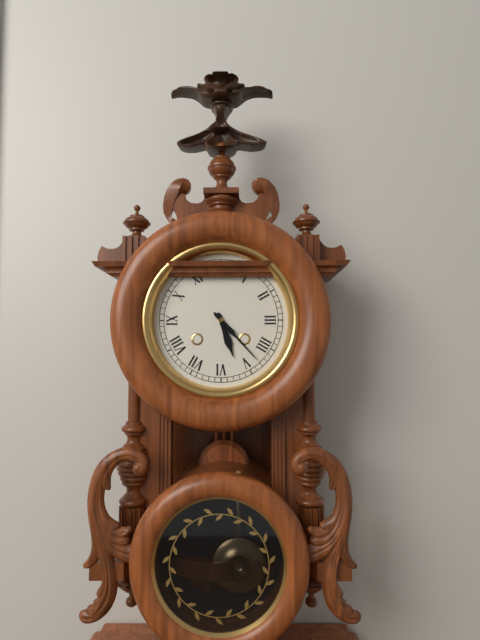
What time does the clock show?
5:23
